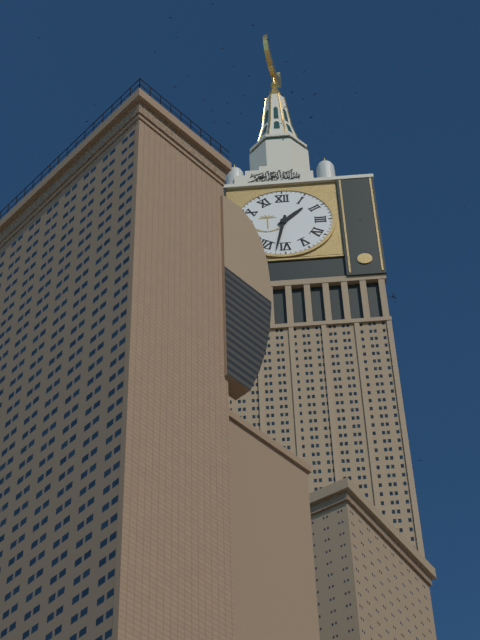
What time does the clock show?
1:32
